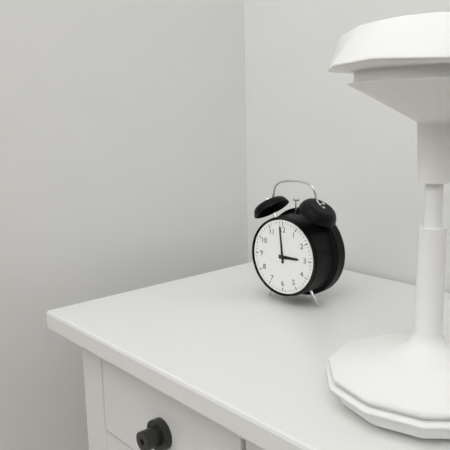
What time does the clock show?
2:59
